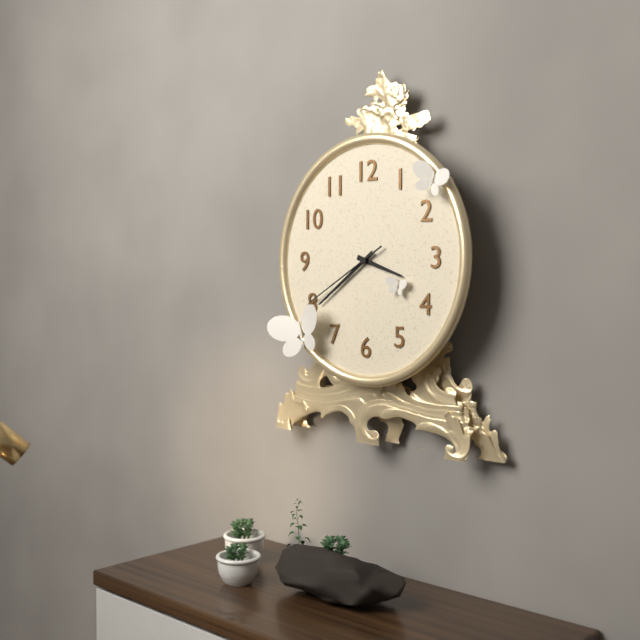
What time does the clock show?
3:39:40
